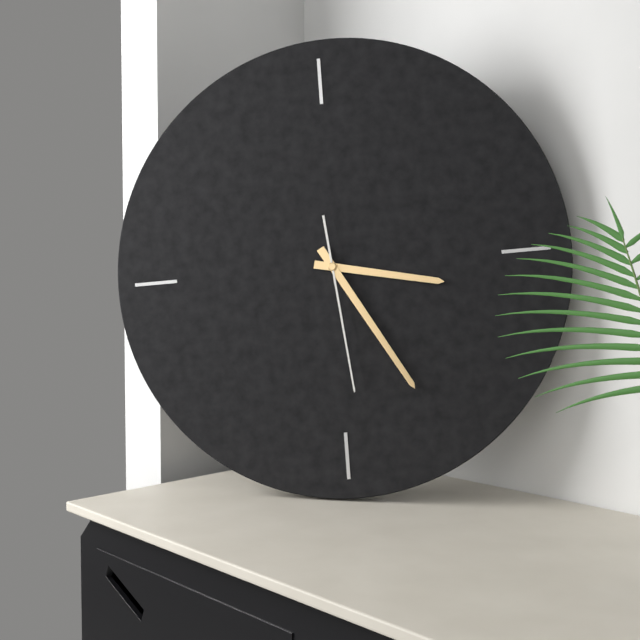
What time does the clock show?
3:25:29
